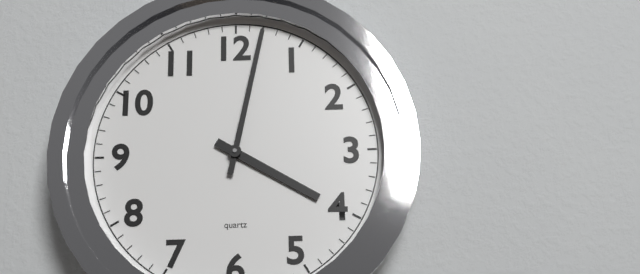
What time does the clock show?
4:02
